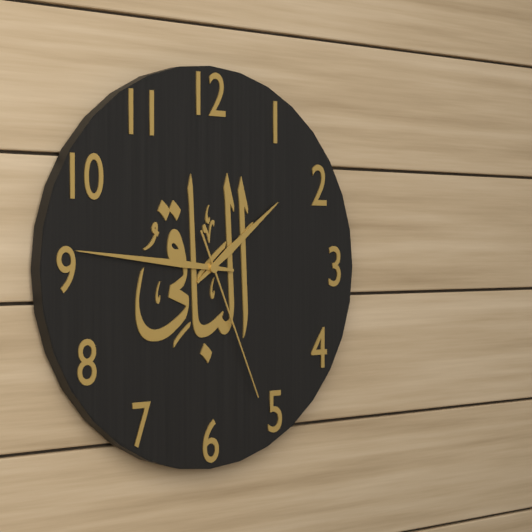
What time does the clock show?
1:46:26
